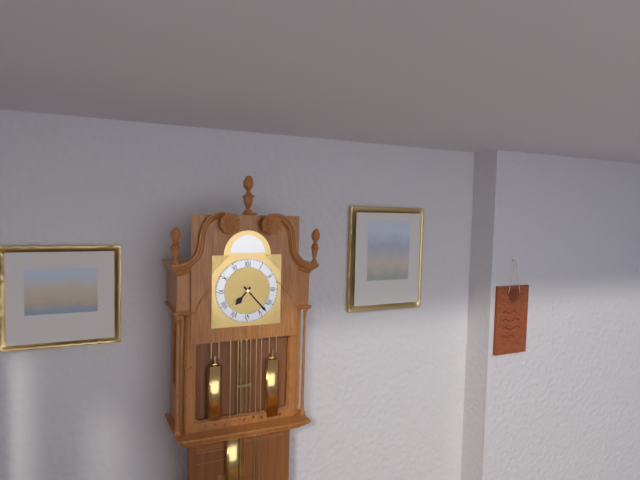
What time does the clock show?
7:23
